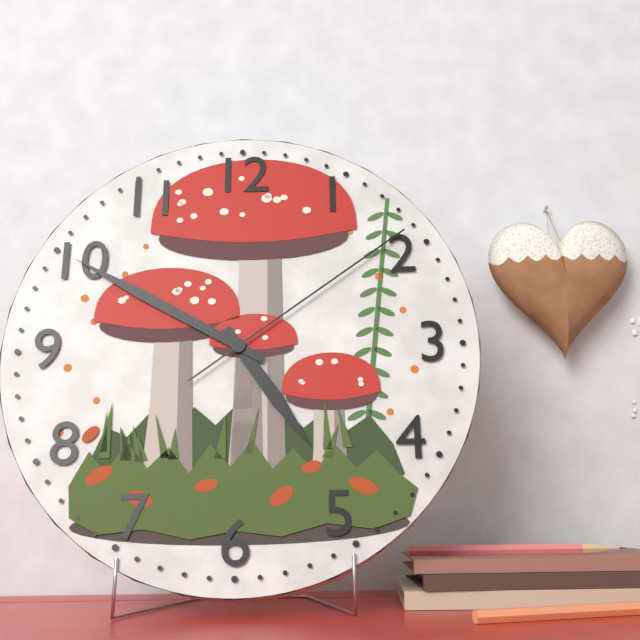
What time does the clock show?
4:50:09
